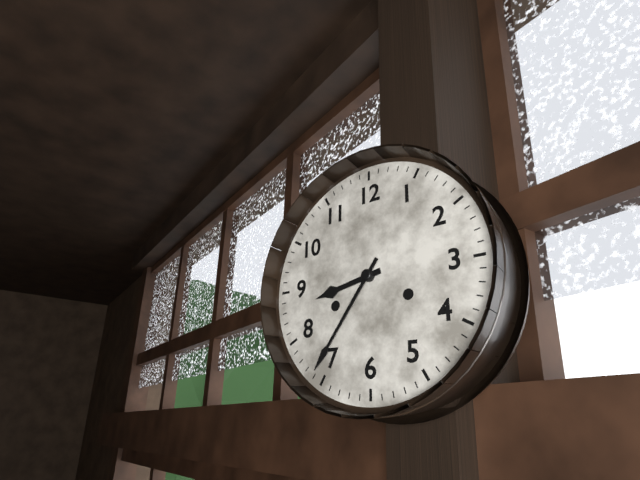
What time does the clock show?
8:36
